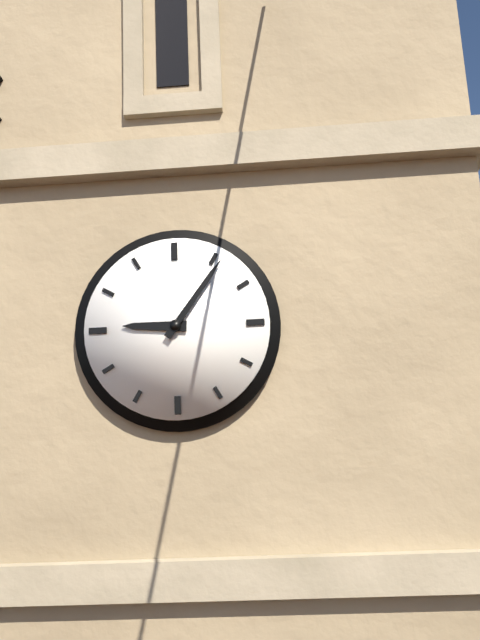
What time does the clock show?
9:06
